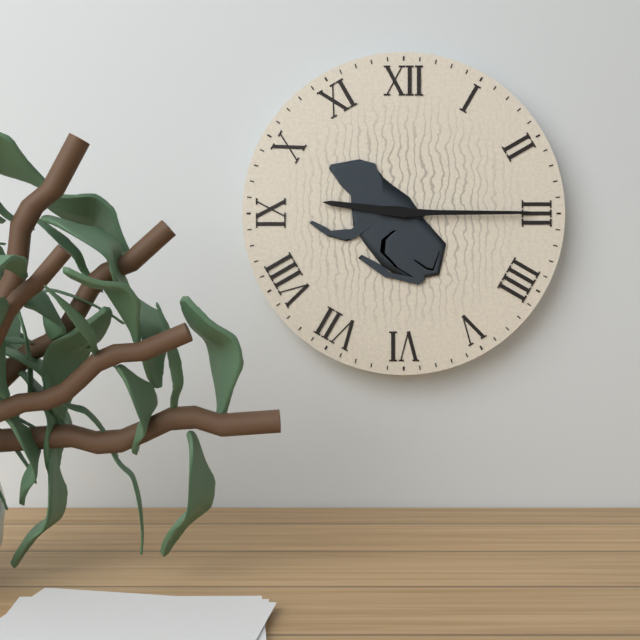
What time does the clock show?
9:15
